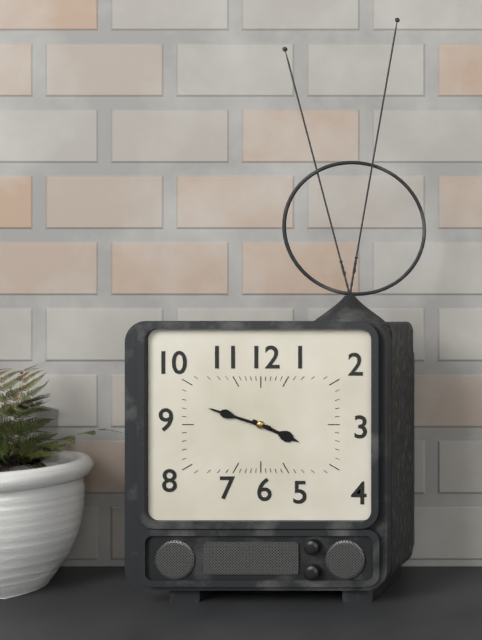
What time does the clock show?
3:48
